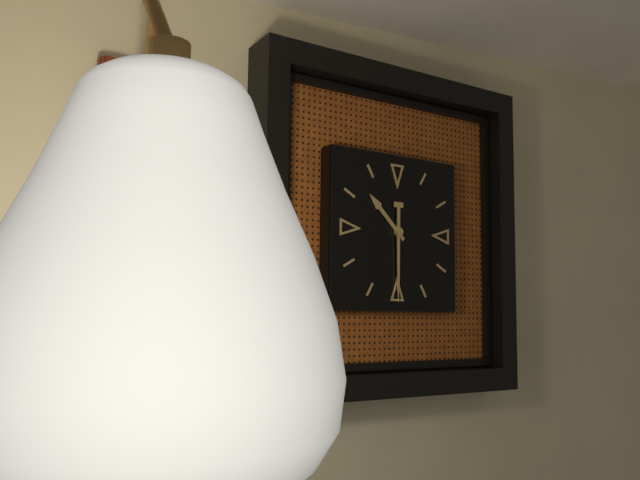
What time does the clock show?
10:30
